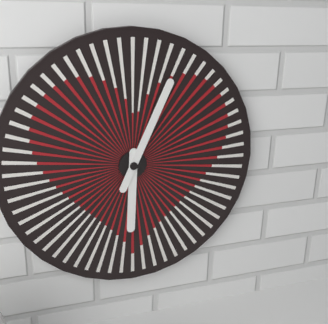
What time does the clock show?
6:04
